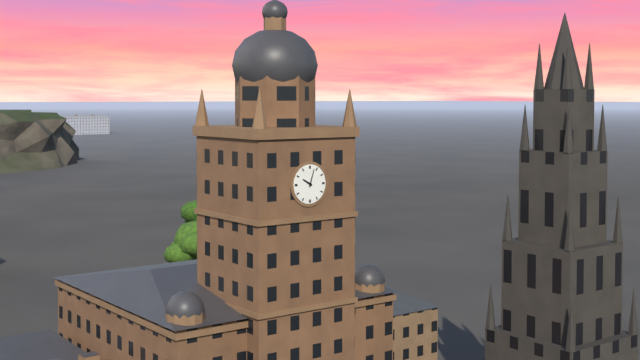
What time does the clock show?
10:03
